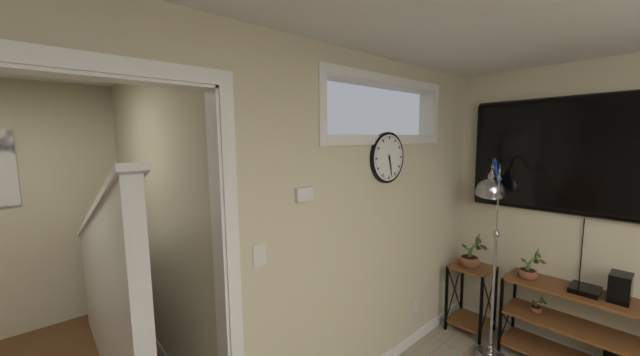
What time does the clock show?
5:28
